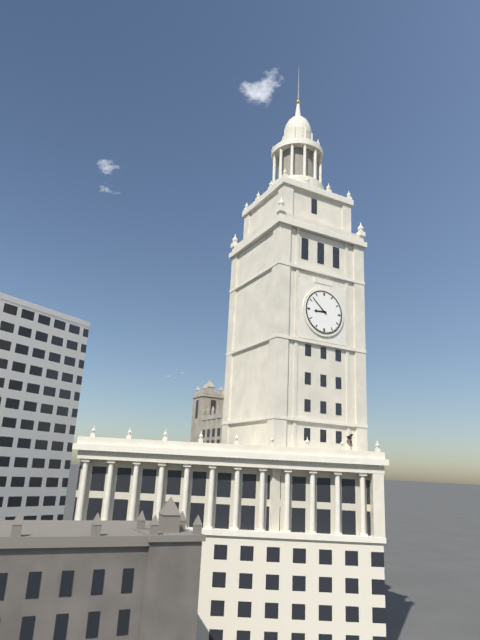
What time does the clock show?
8:52
